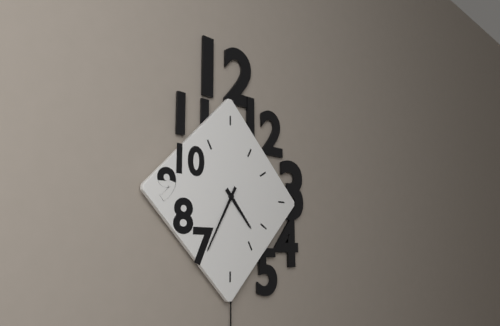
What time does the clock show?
4:35
